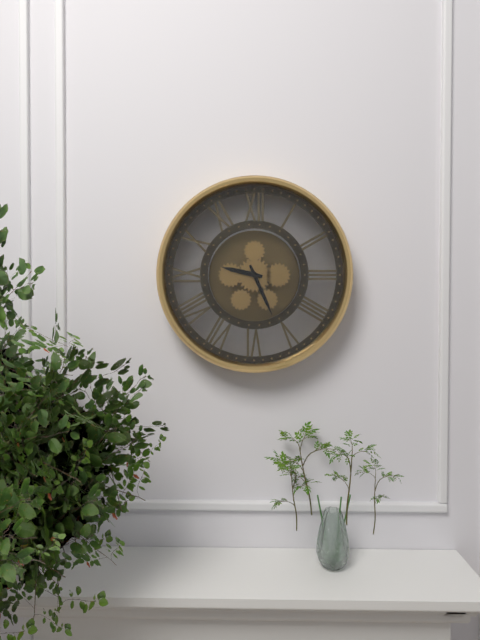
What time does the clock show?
9:26
